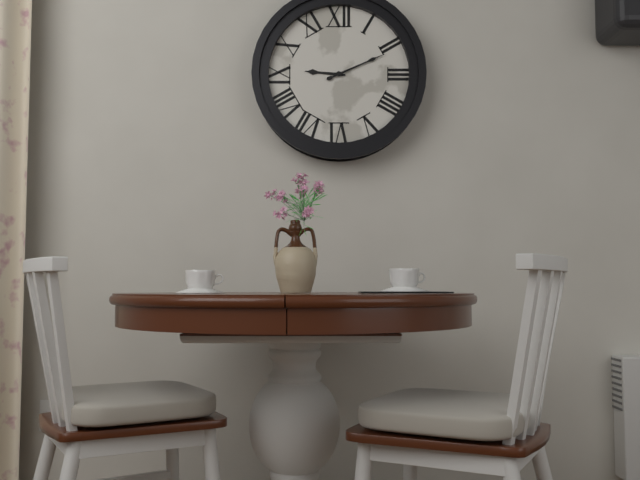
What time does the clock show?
9:11
